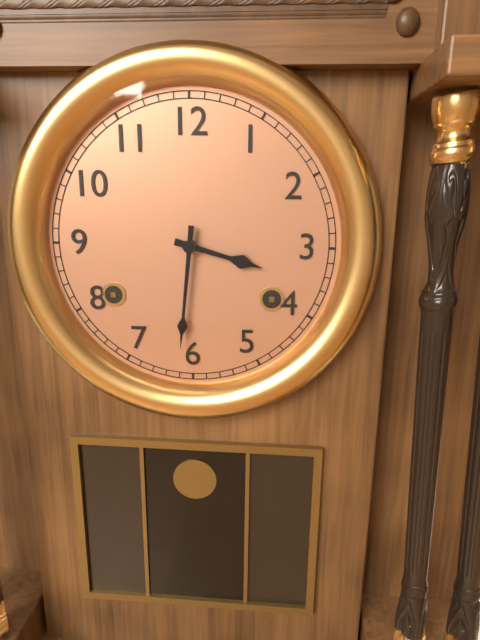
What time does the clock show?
3:31
